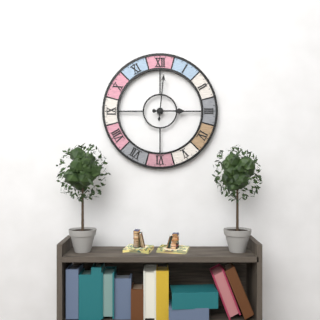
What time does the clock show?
3:01
